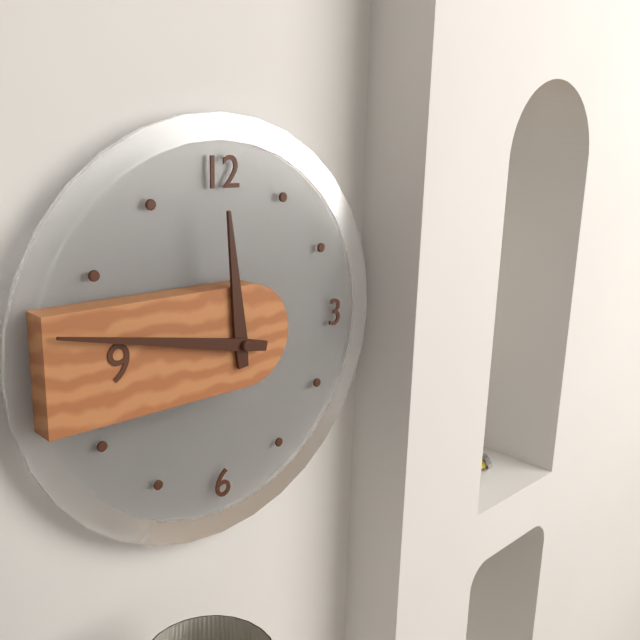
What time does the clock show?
11:47
